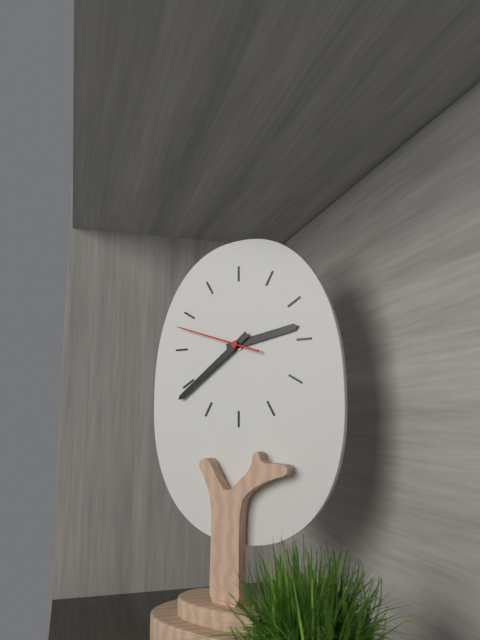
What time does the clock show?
2:39:48
